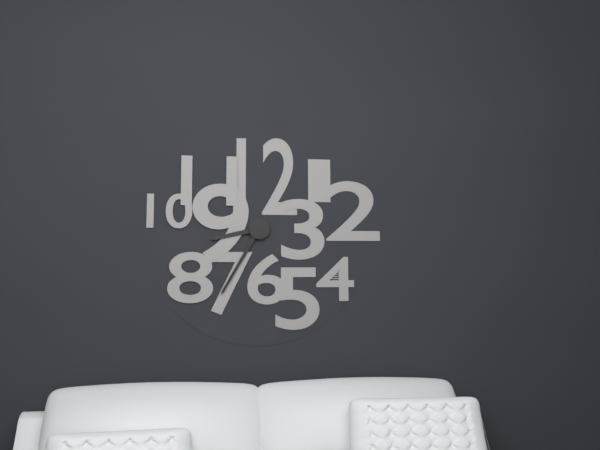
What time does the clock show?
8:35
